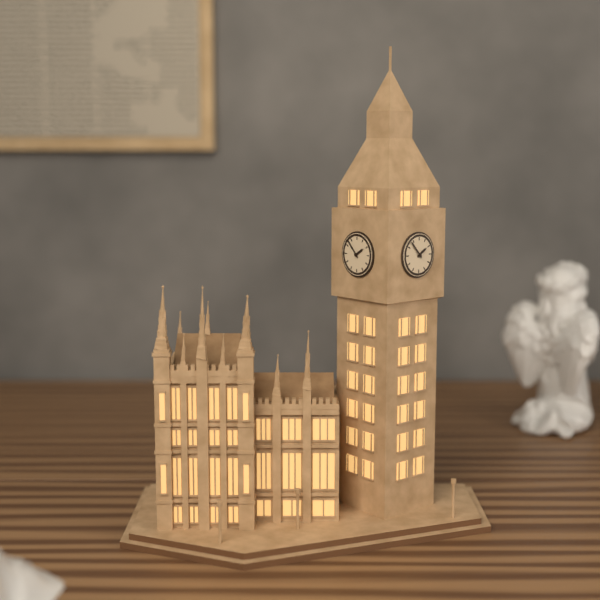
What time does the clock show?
1:53
